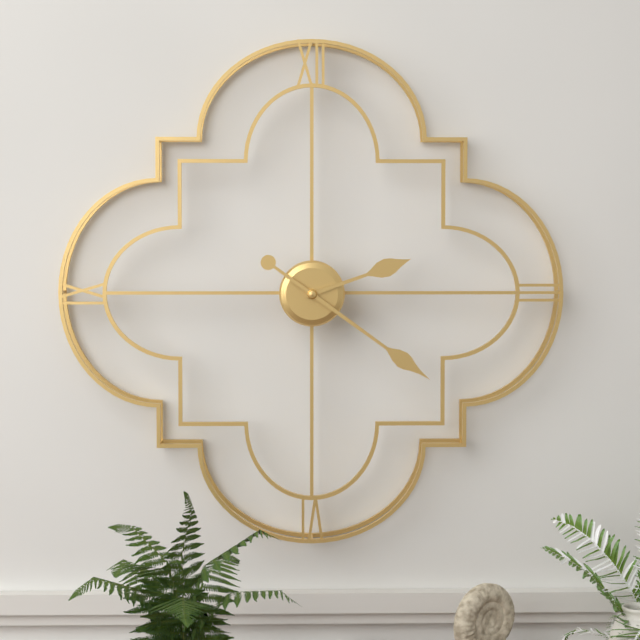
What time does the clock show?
2:21
